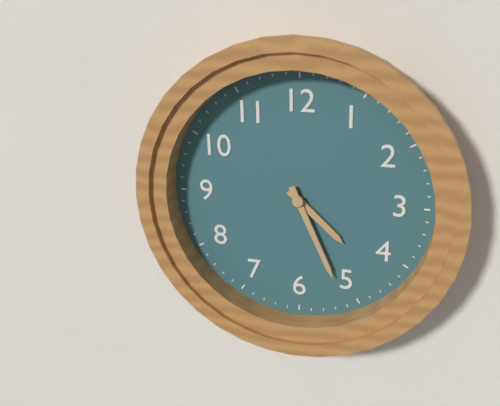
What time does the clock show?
4:26
